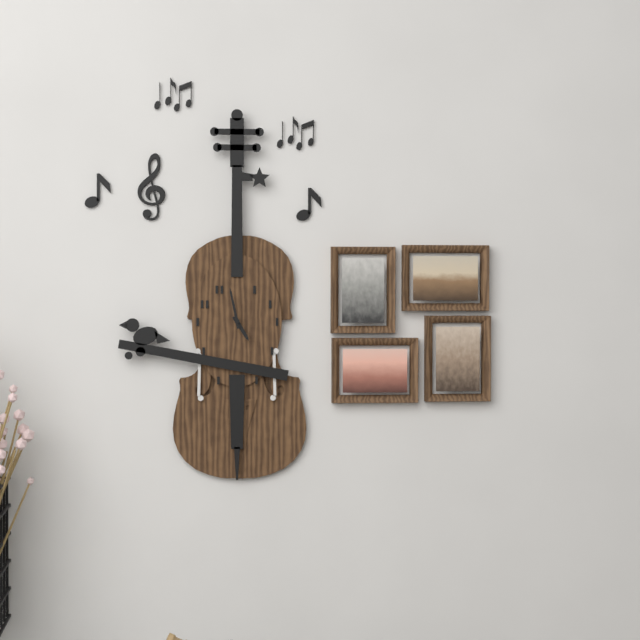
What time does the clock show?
4:58
